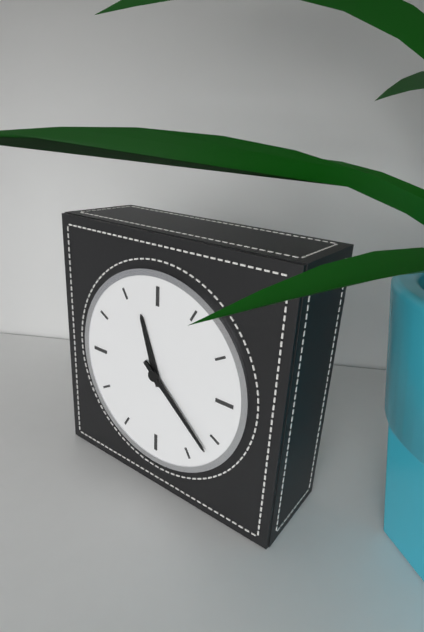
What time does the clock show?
11:22
